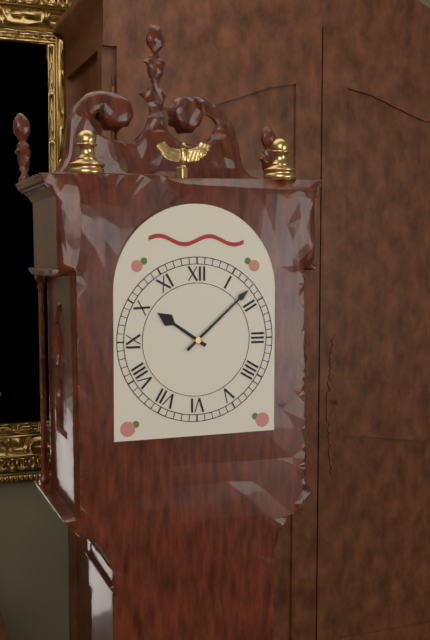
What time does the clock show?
10:08
